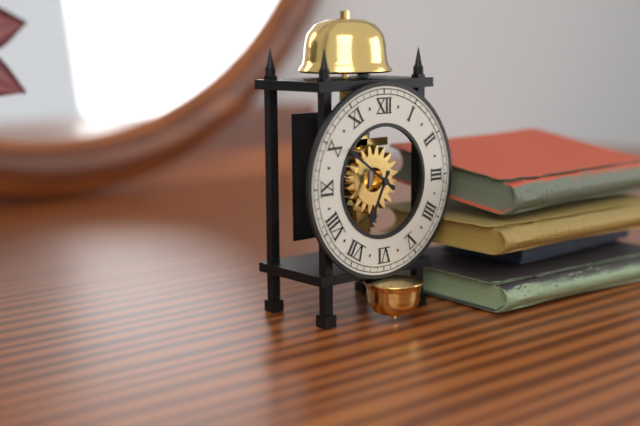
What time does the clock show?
6:51
